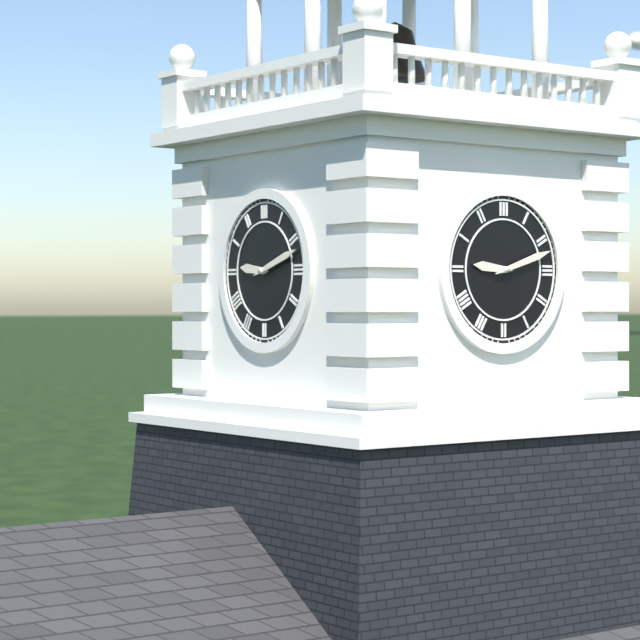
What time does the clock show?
9:12
